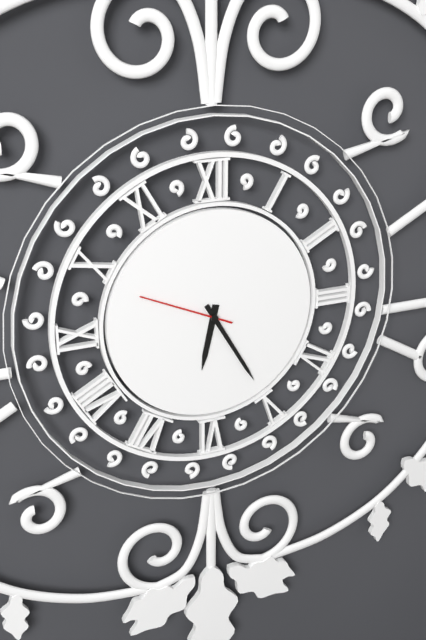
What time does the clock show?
6:25:49
